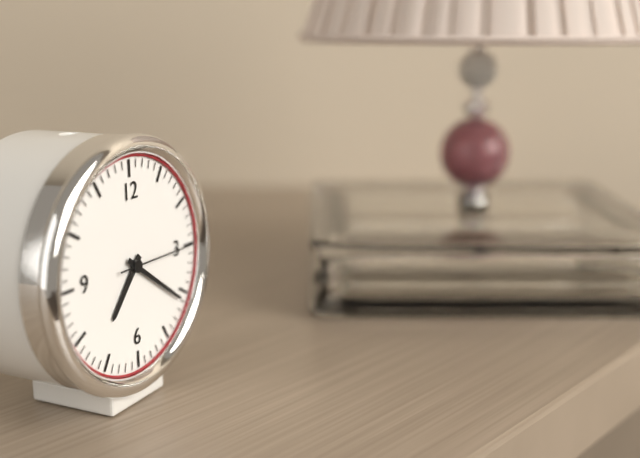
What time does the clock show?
7:21:15
